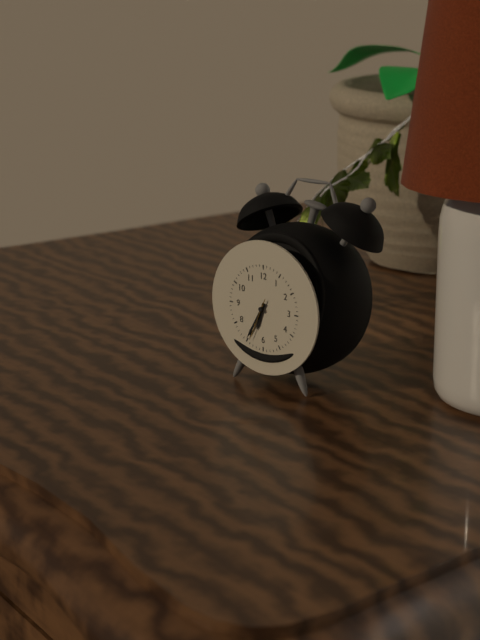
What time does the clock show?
6:35
